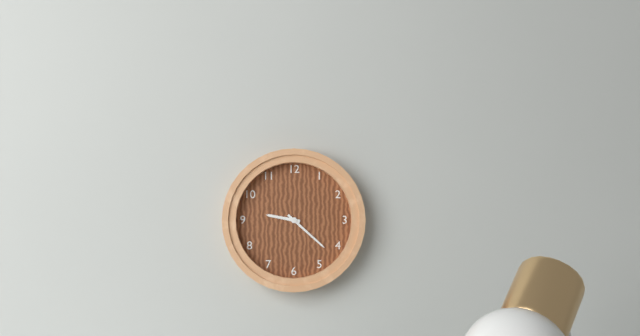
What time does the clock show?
9:22
